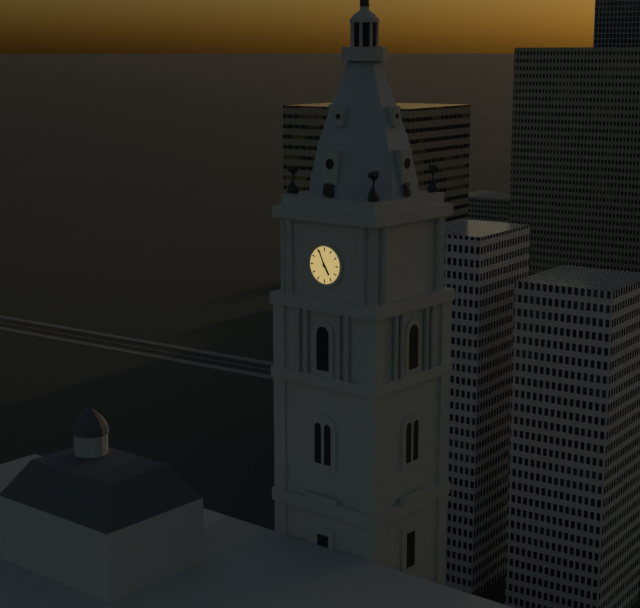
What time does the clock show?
4:56
